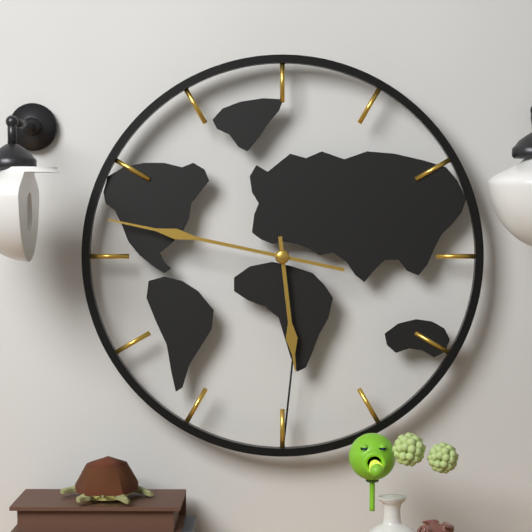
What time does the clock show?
5:47
